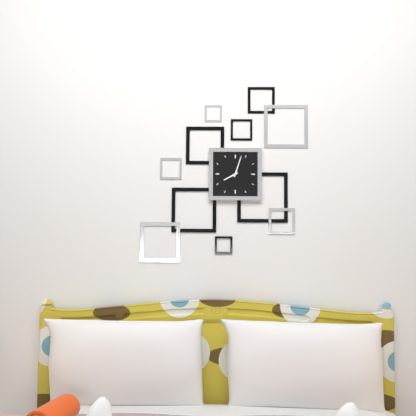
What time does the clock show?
8:03
